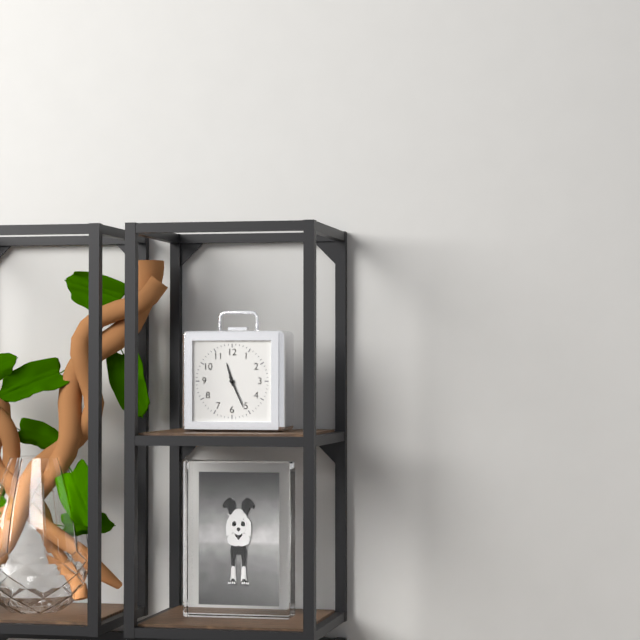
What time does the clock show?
11:26
